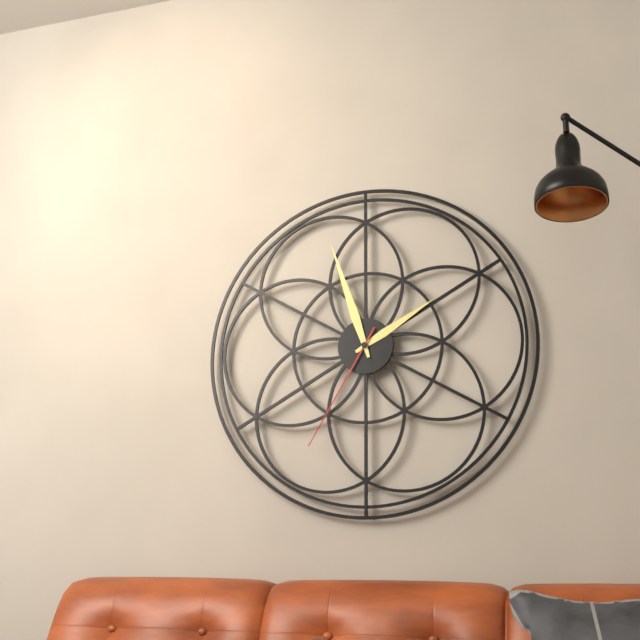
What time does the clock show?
1:57:35
